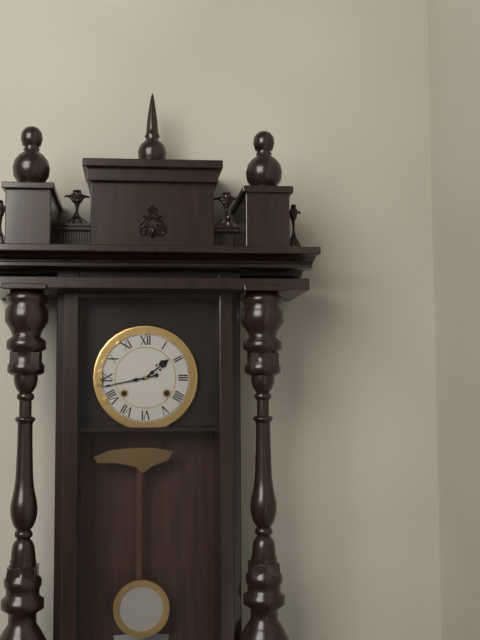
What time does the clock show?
1:43
